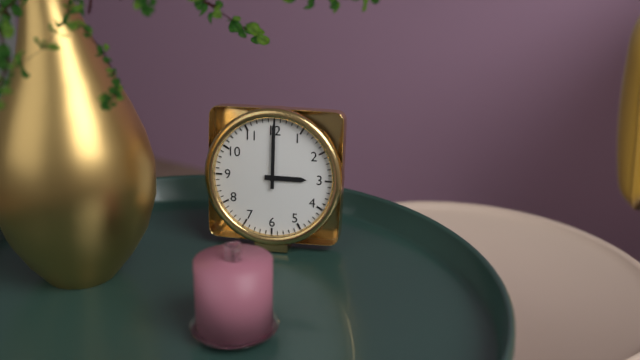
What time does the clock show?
3:00
